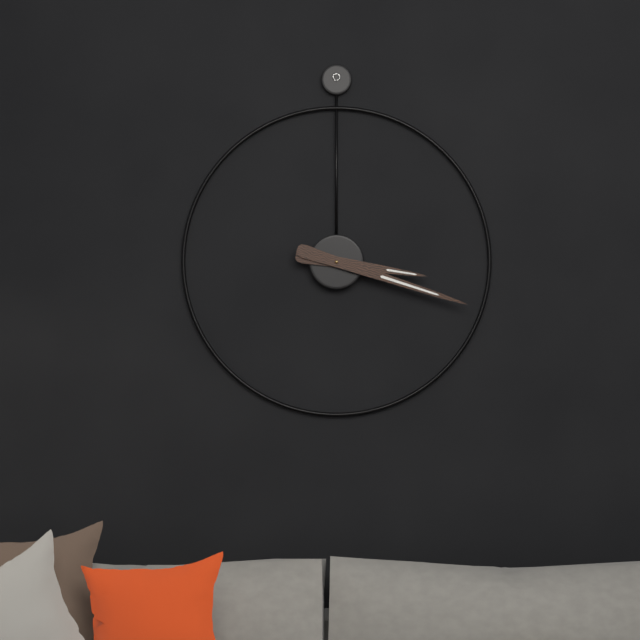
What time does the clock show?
3:18
